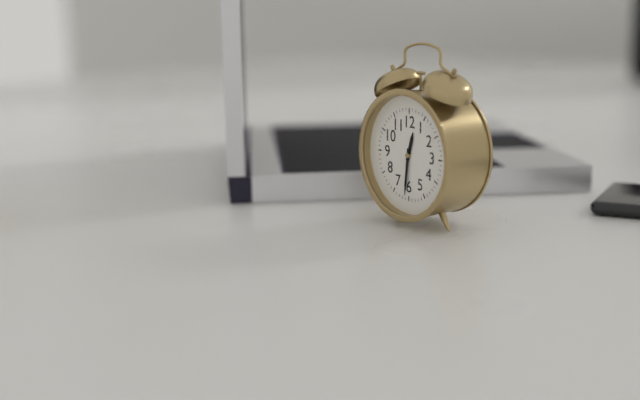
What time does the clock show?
12:31
